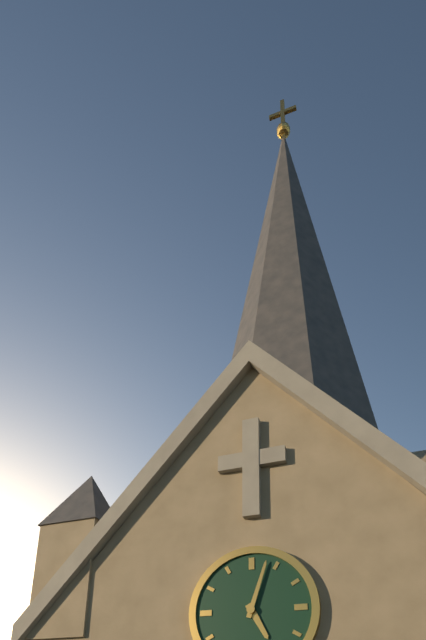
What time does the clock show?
5:03
